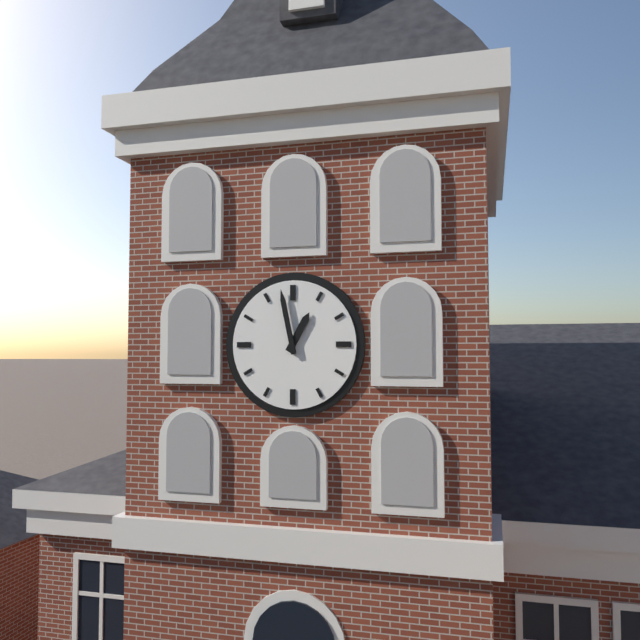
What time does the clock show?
12:58
